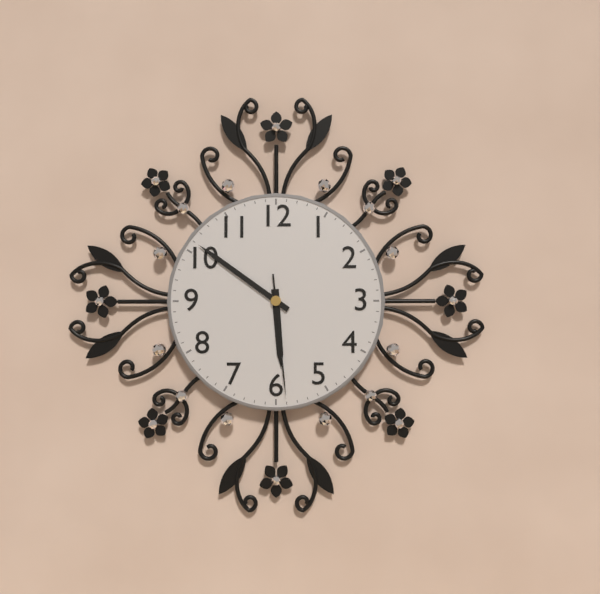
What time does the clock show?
5:51:29
